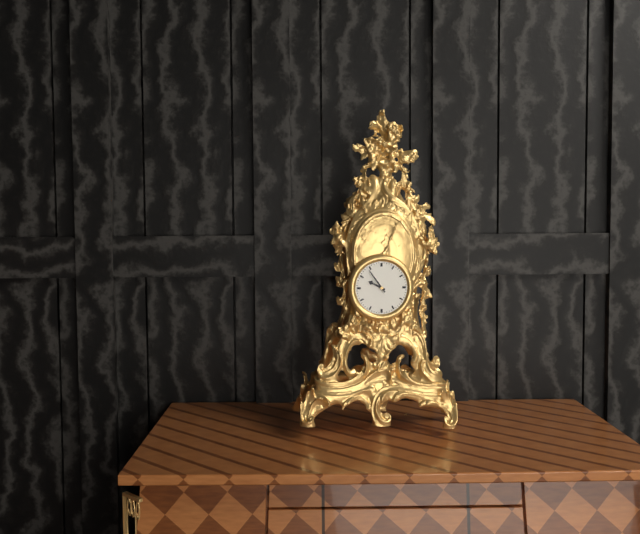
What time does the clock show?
9:54
